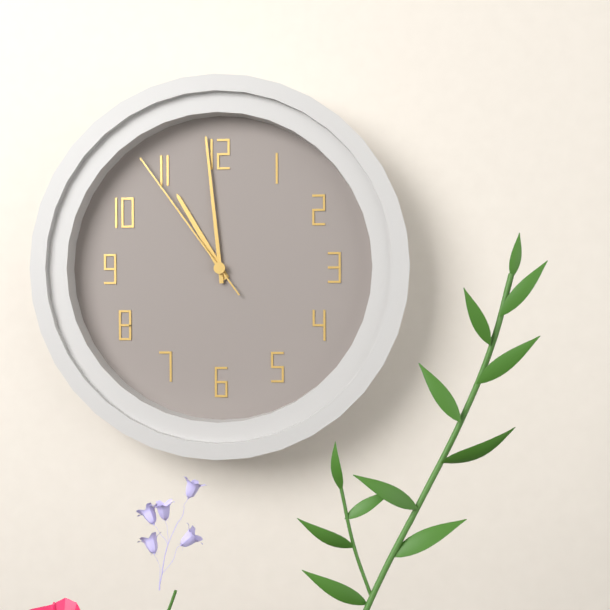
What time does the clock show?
10:59:54
